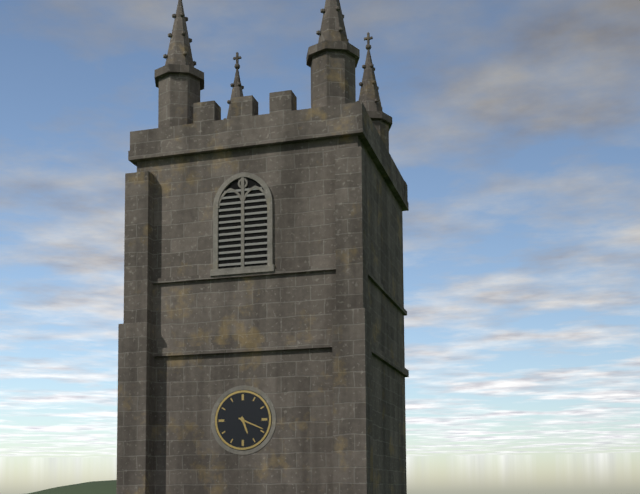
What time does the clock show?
5:19
